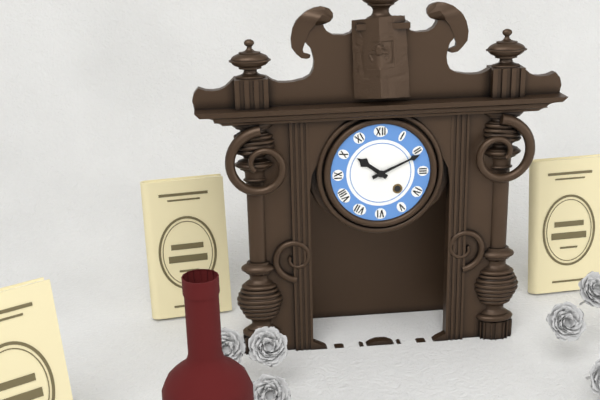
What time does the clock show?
10:11
